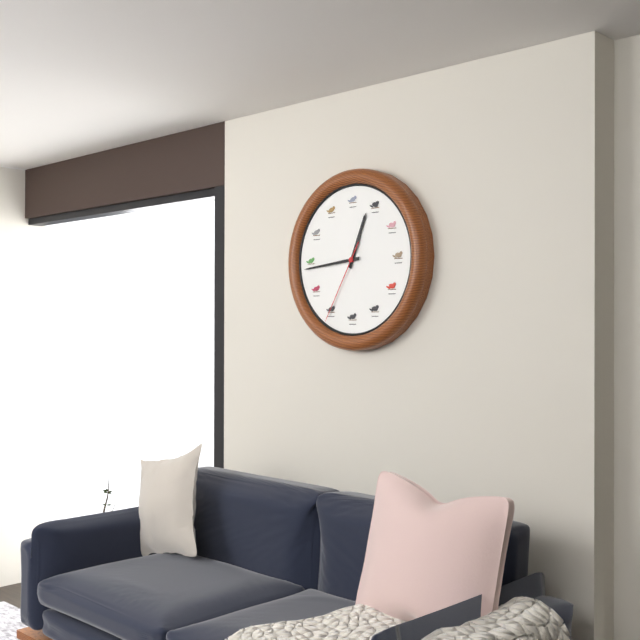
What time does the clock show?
12:44:35
